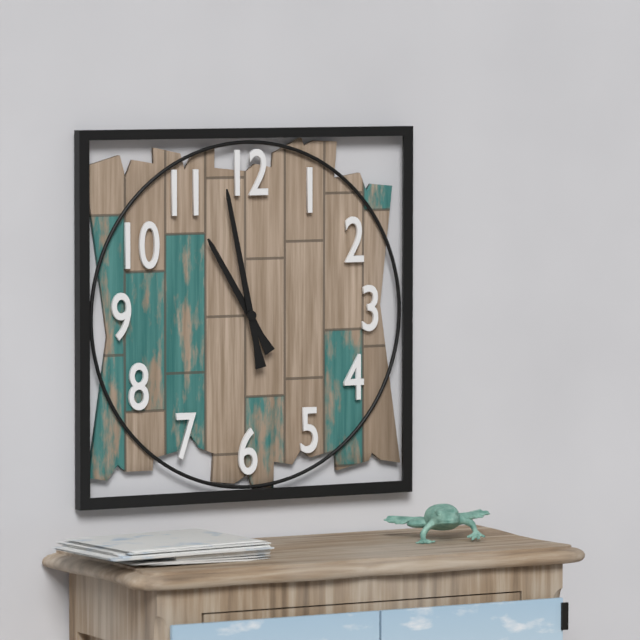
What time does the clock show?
10:58
